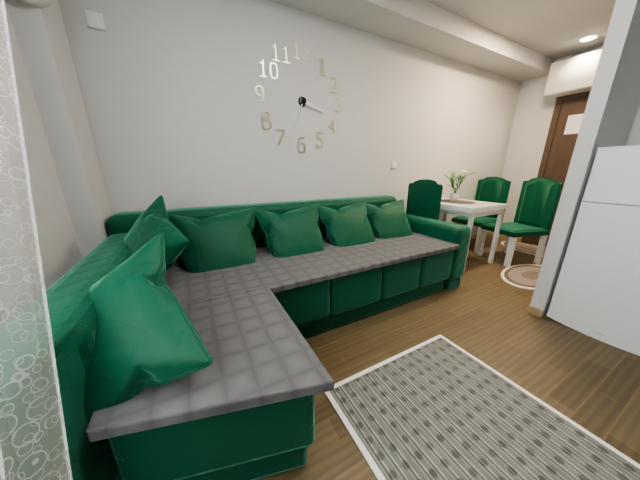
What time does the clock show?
3:34
